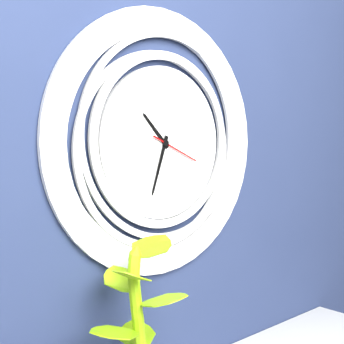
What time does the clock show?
10:33
